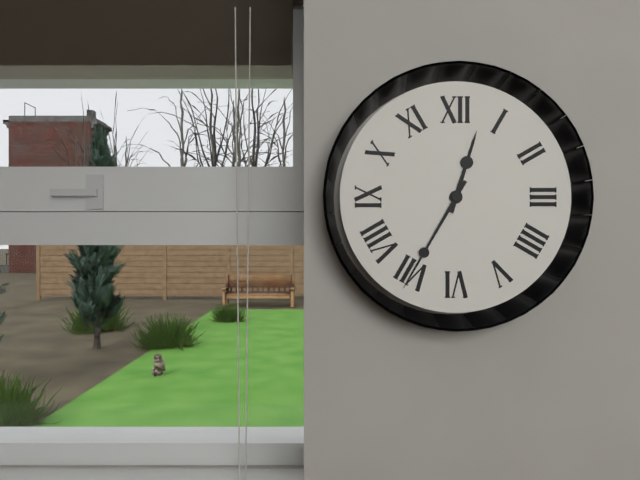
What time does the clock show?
12:35
